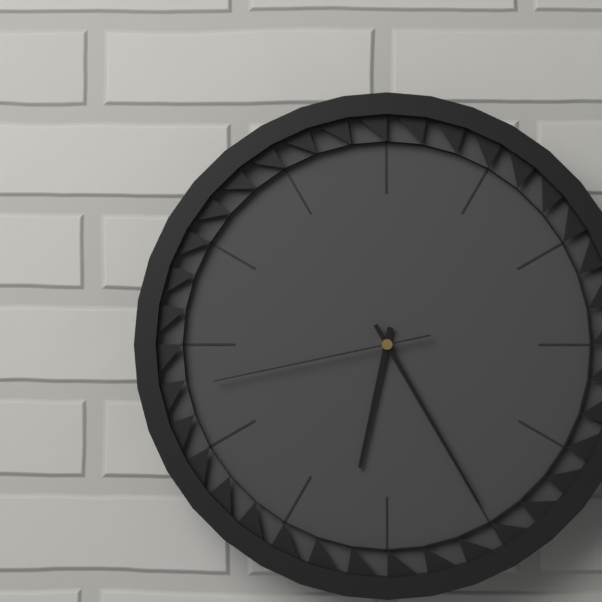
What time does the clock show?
6:25:43
